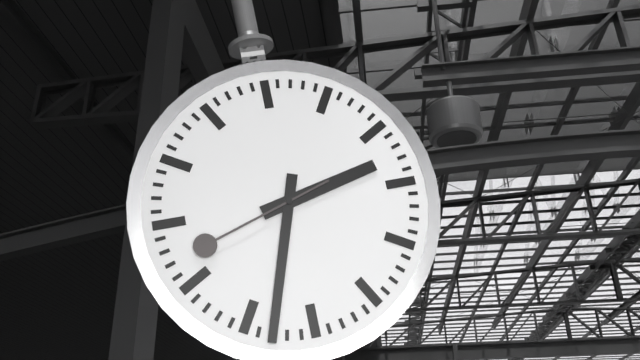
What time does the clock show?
2:33:42
